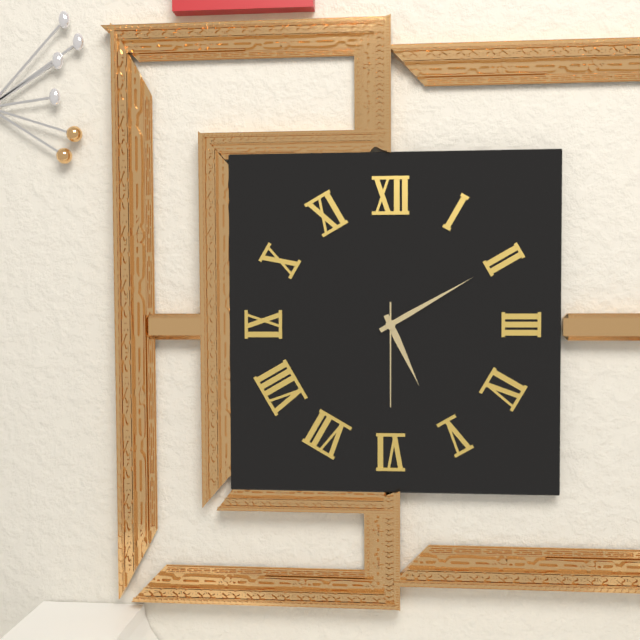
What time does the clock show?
5:10:30
